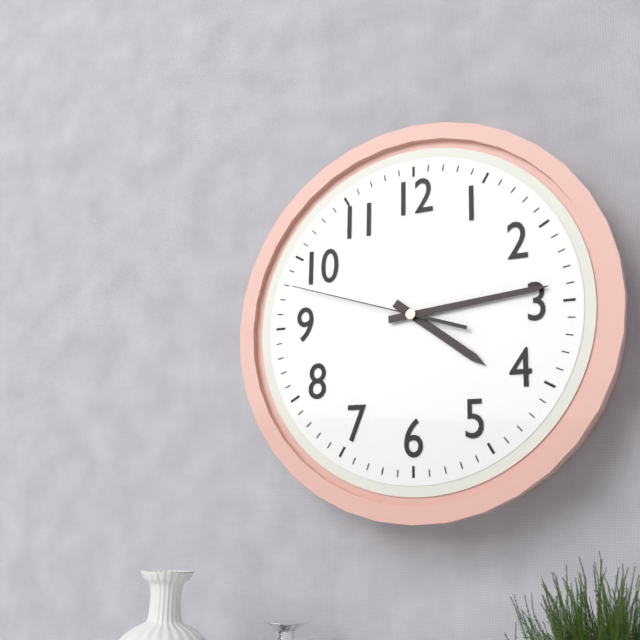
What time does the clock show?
4:14:48
